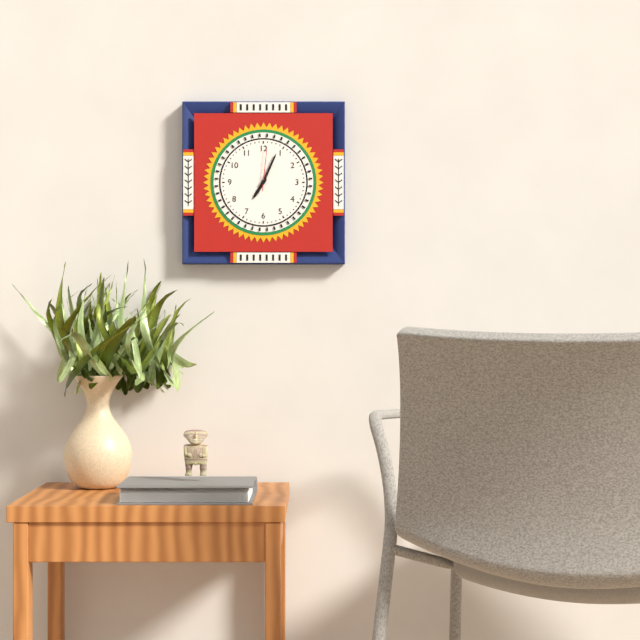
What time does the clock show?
7:04
